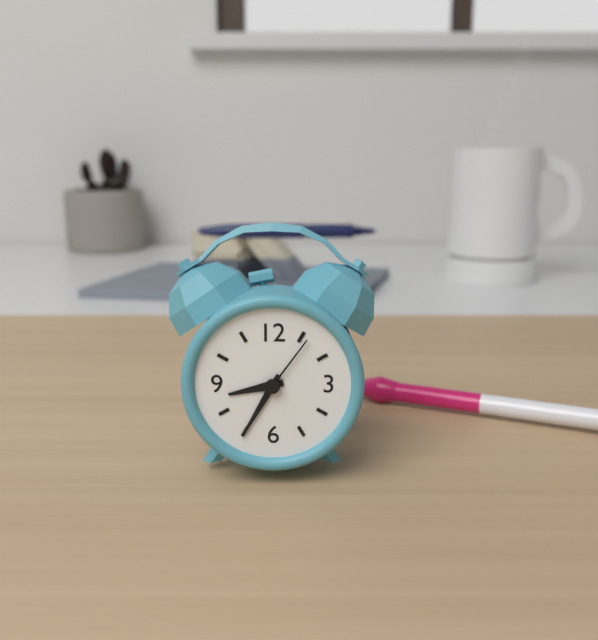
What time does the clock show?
8:35:06
